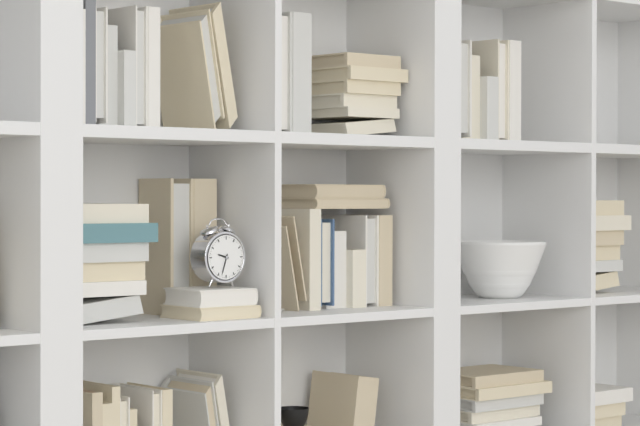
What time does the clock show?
9:33
